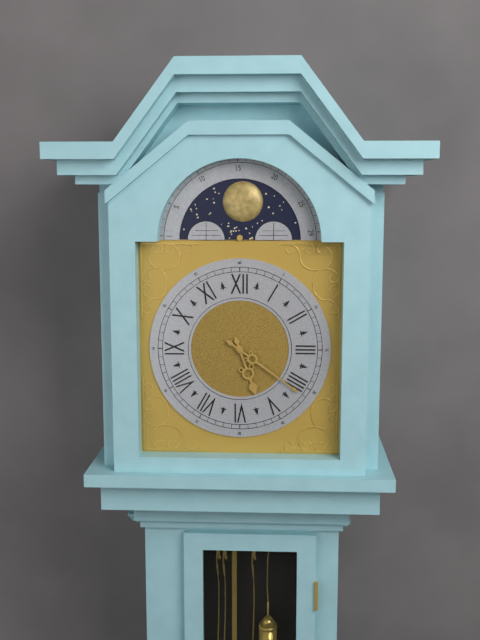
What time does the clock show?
5:21
